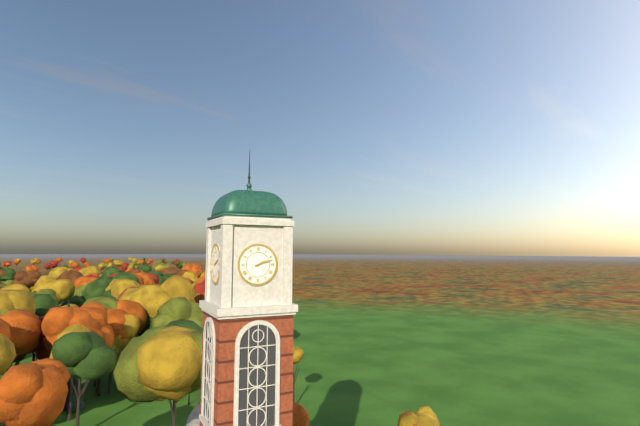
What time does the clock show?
2:12
